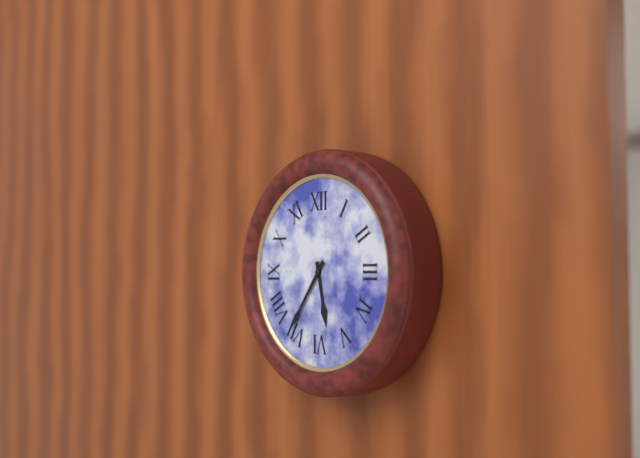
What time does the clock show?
5:36
